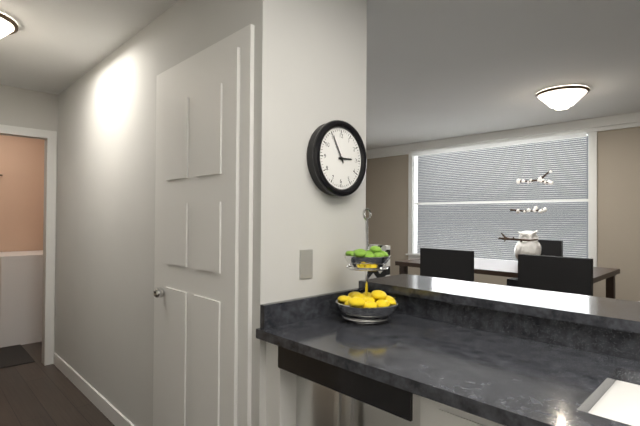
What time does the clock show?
2:55
